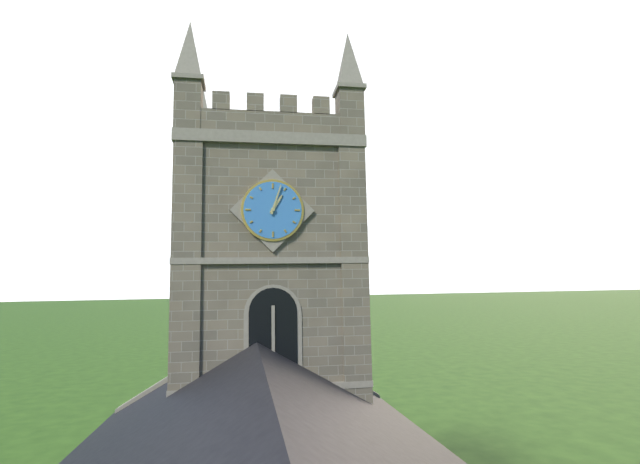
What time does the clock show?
1:03
